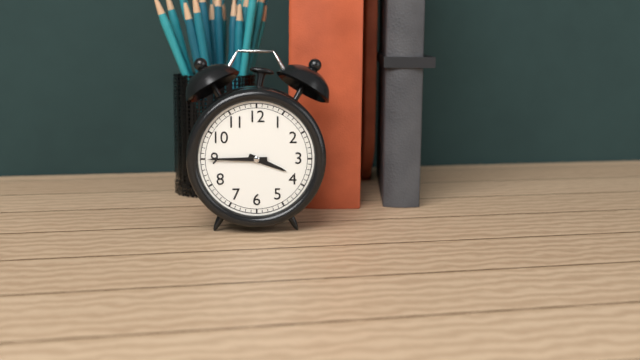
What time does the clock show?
3:45
